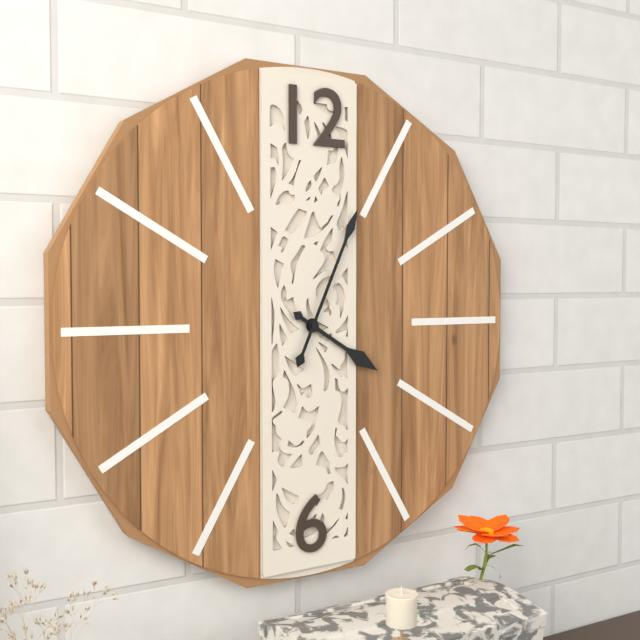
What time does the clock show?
4:04
